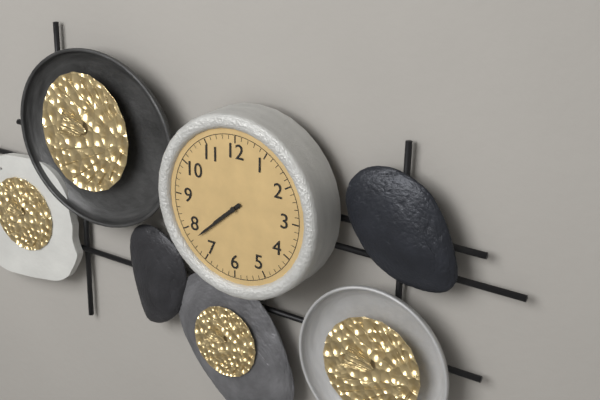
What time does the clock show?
7:38
